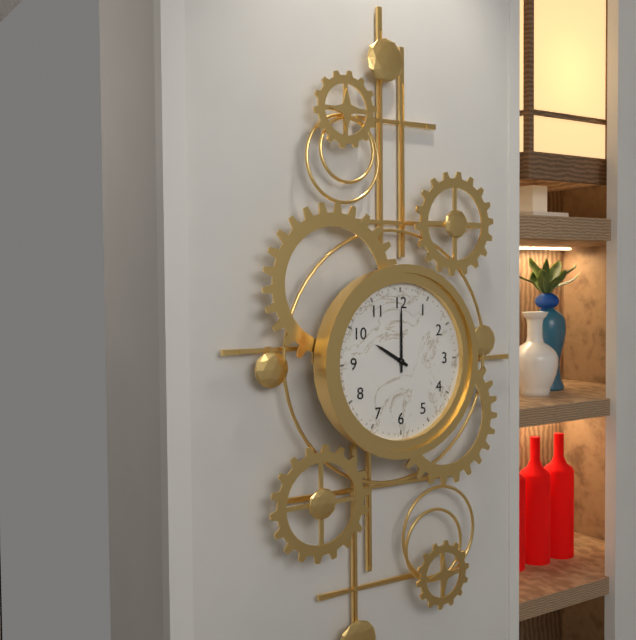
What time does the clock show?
10:00
